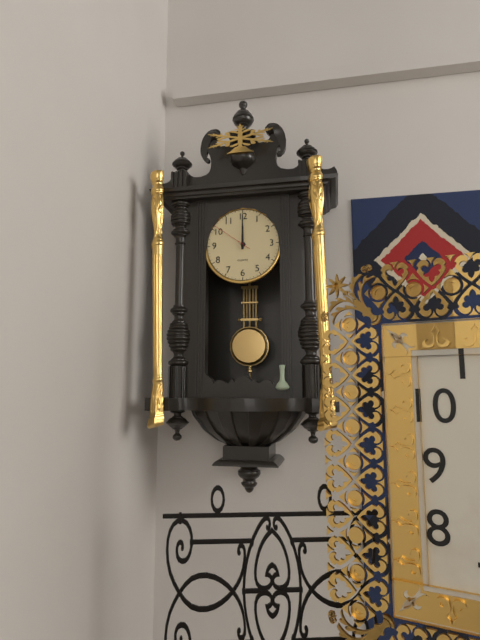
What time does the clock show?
12:00
